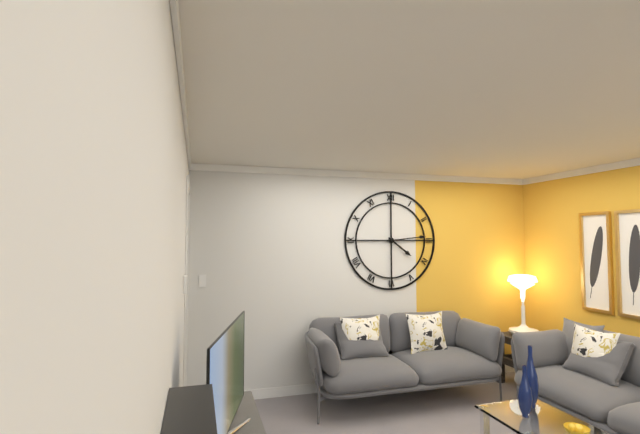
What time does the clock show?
4:14
